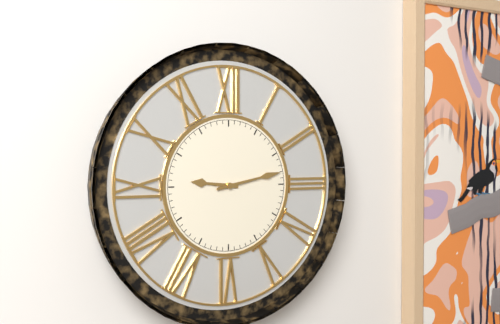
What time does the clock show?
9:13
